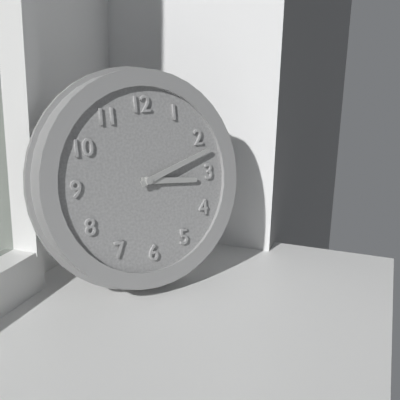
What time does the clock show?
3:12
